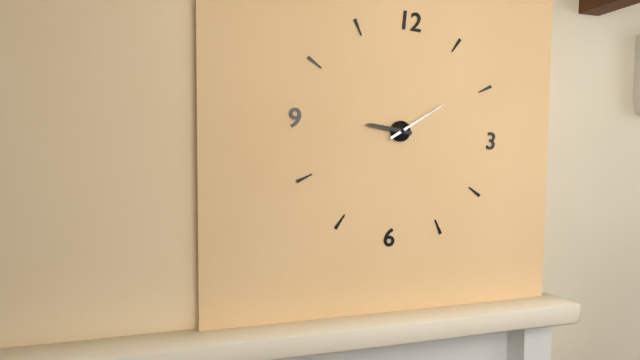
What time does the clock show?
9:09
